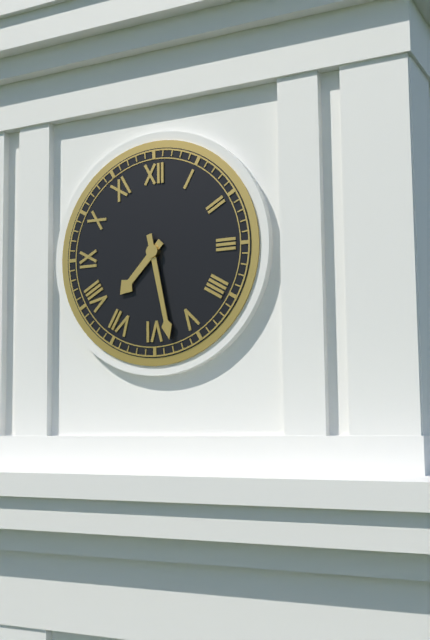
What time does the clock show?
7:28
